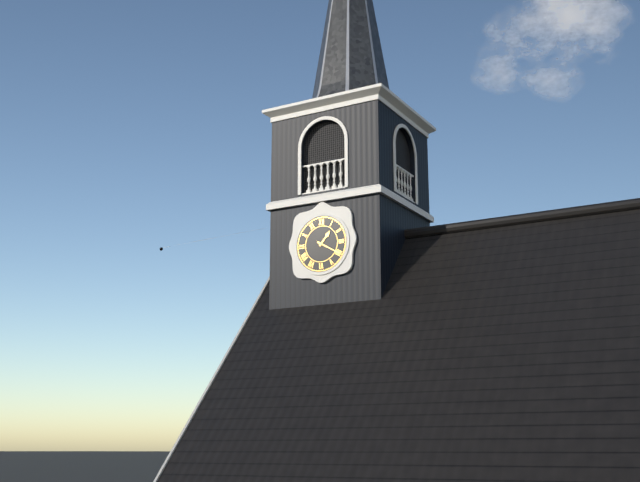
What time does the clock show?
1:20
